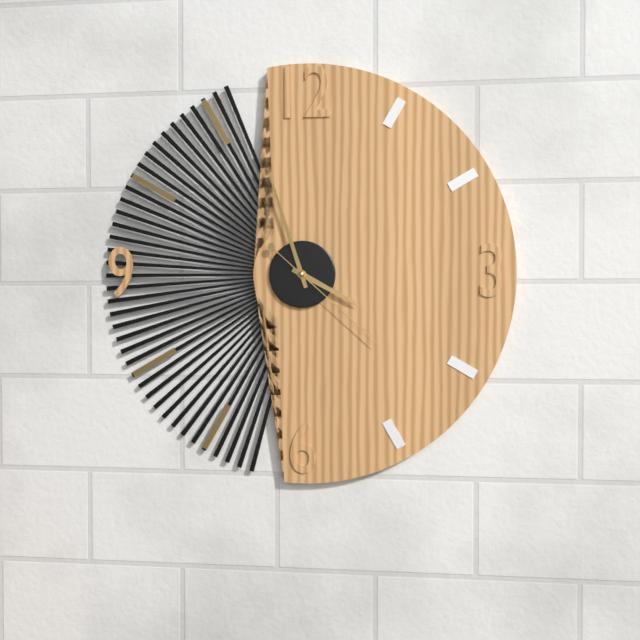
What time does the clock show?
3:57:22
